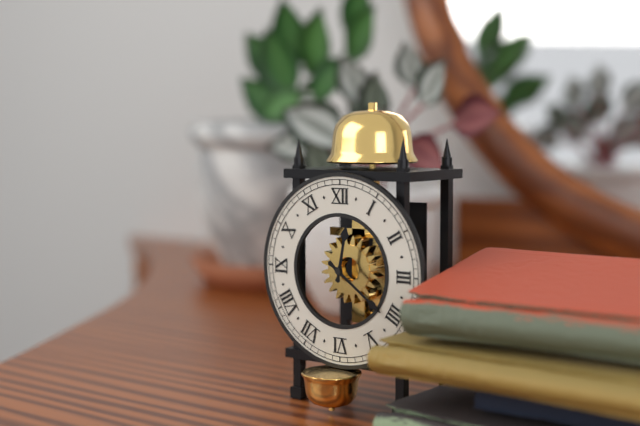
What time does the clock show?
12:21
